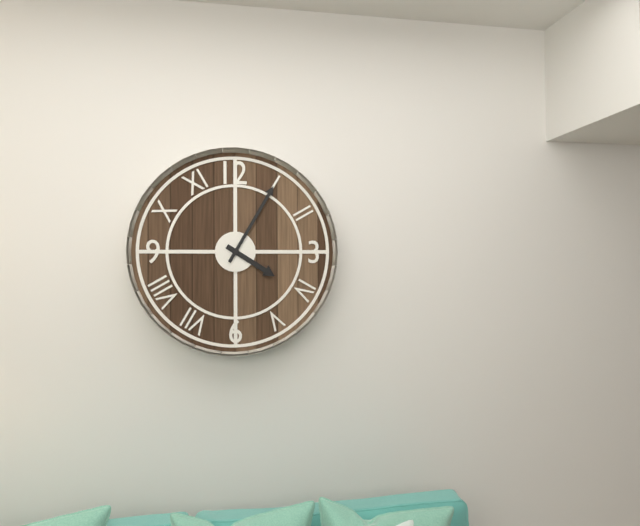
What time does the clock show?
4:05
